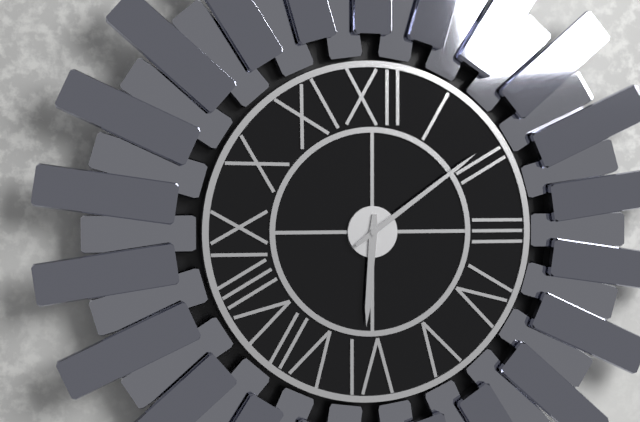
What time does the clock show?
6:09
